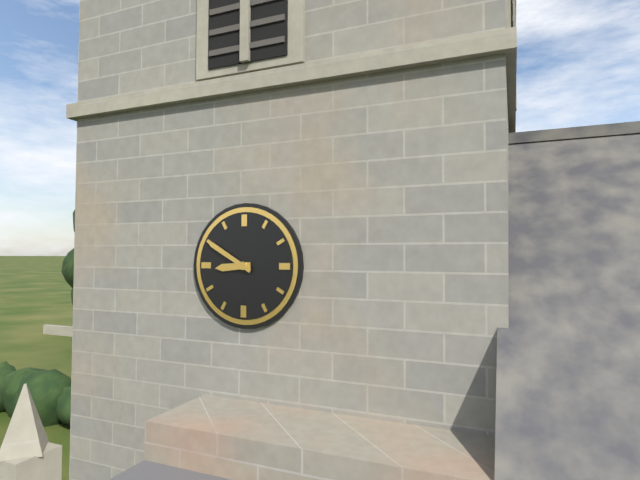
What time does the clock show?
8:50
